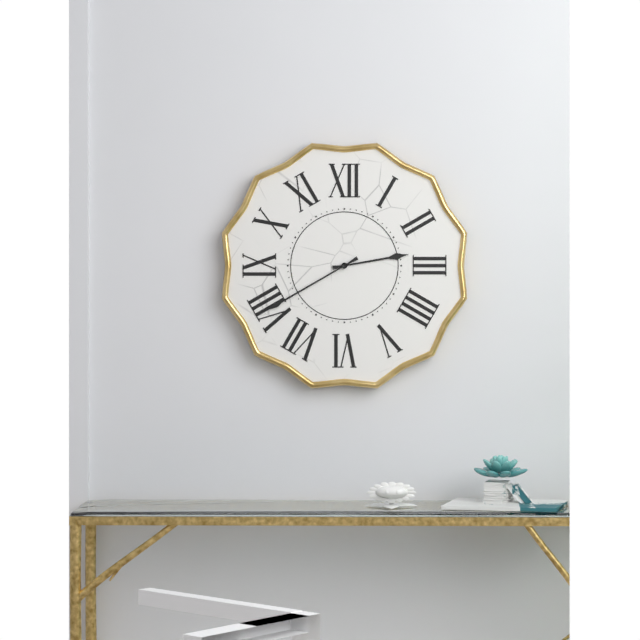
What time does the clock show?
2:40
